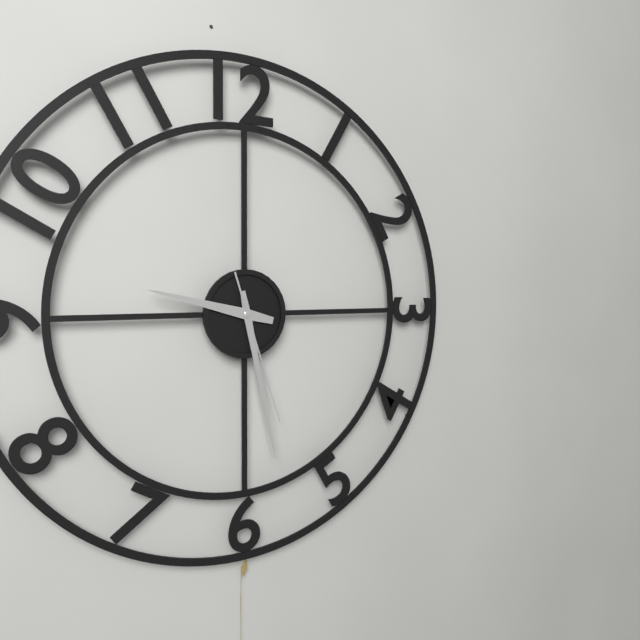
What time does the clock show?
9:28:27
